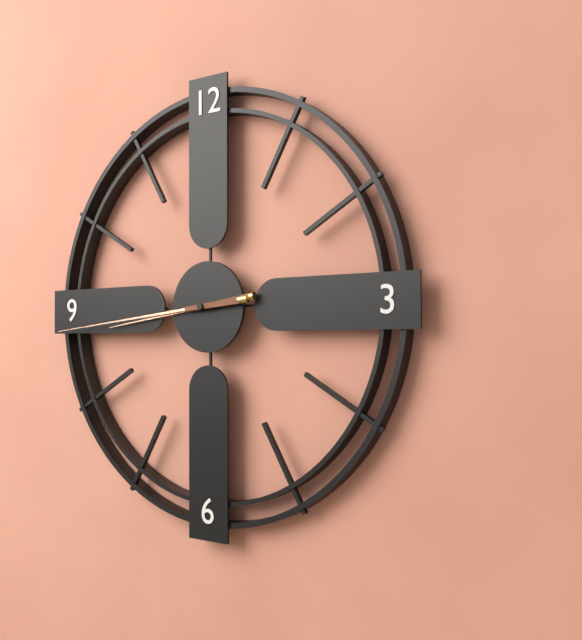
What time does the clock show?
8:44
